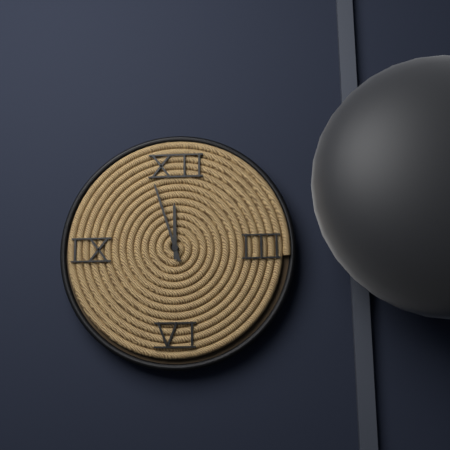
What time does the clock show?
11:57
